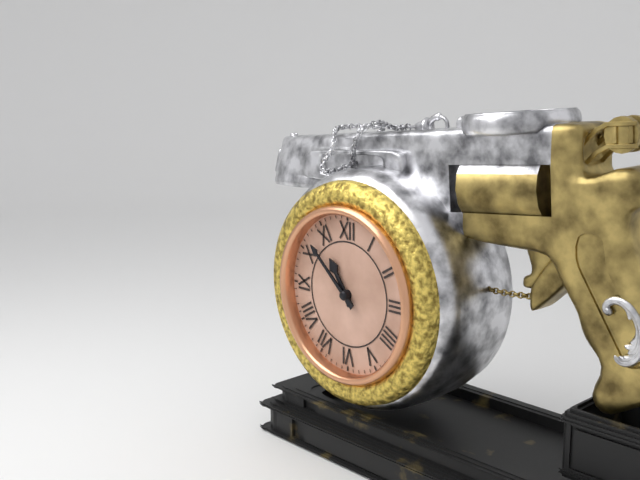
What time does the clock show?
10:52
